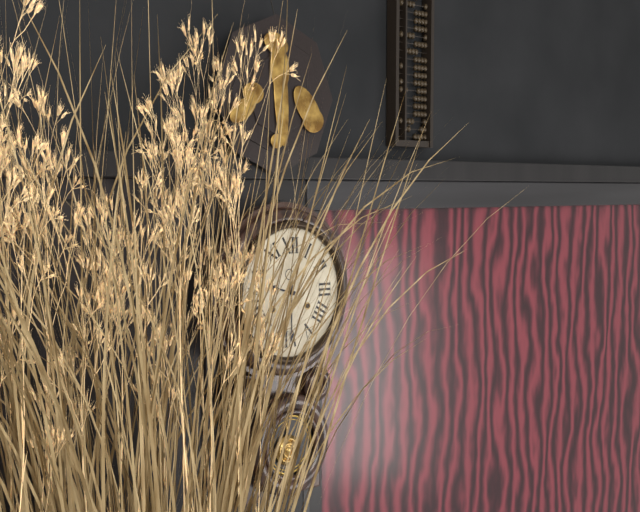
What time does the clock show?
9:30
